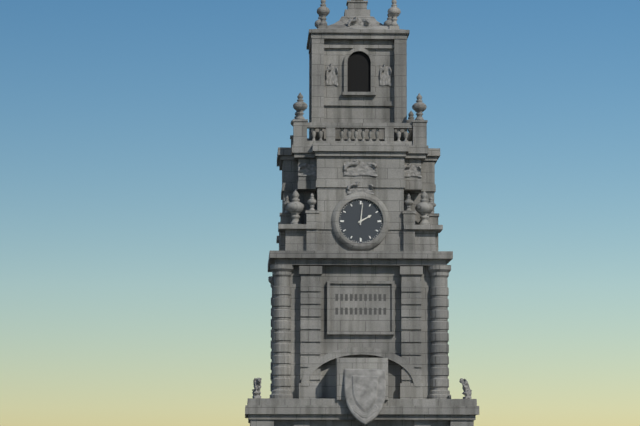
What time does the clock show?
2:01
